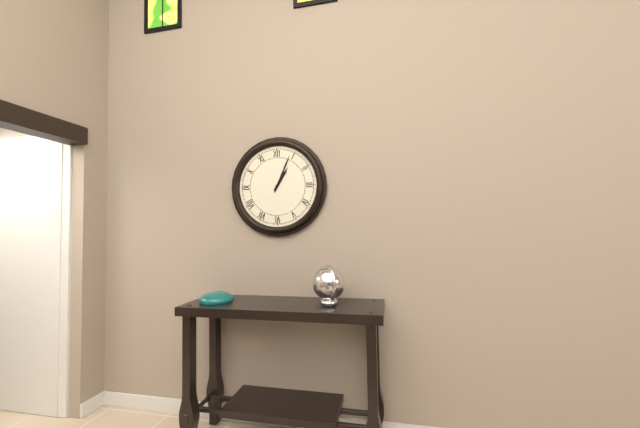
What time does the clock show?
1:04
